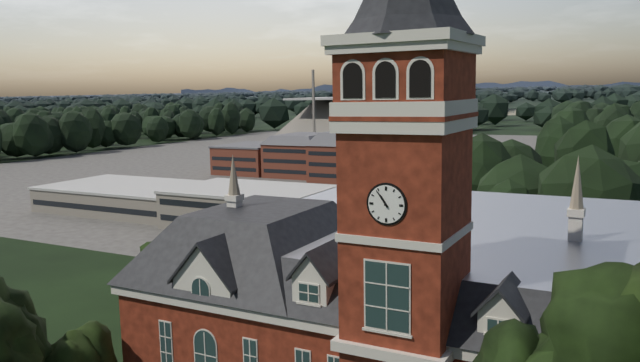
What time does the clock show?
10:54
